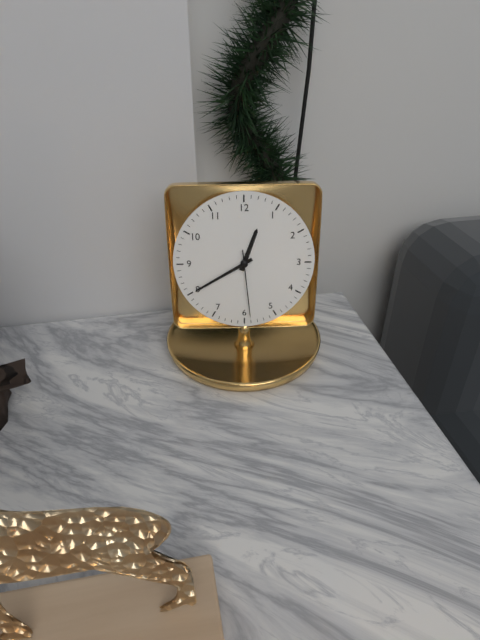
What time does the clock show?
12:40:29
